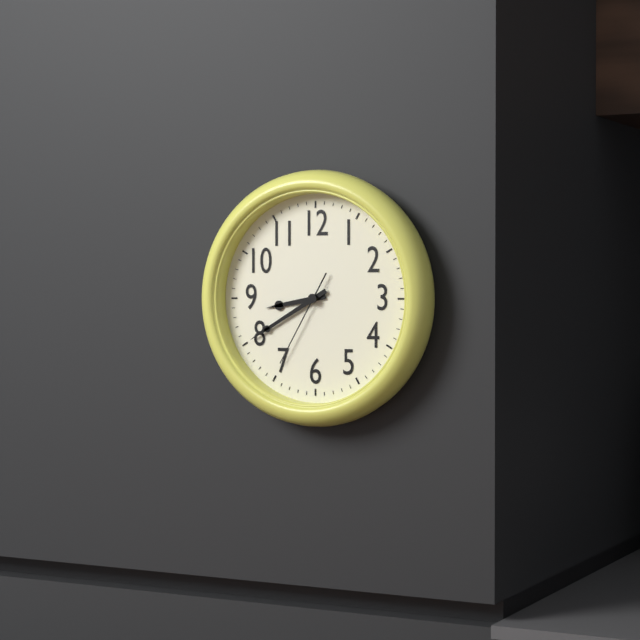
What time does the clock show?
8:40:35
